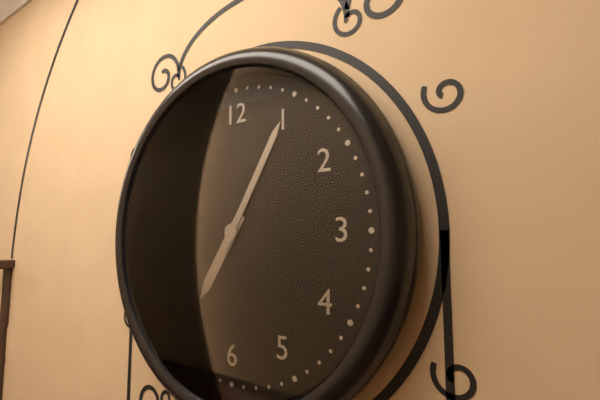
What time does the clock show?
7:05
